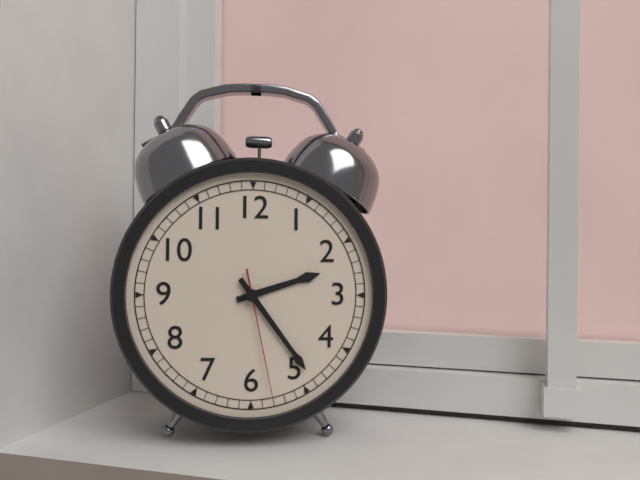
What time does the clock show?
2:24:28
